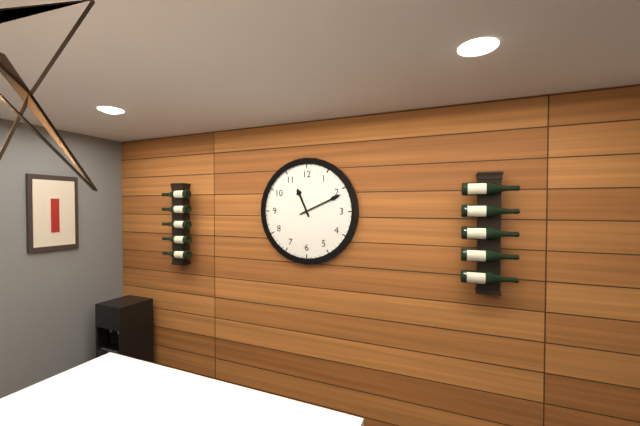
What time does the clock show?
11:11
